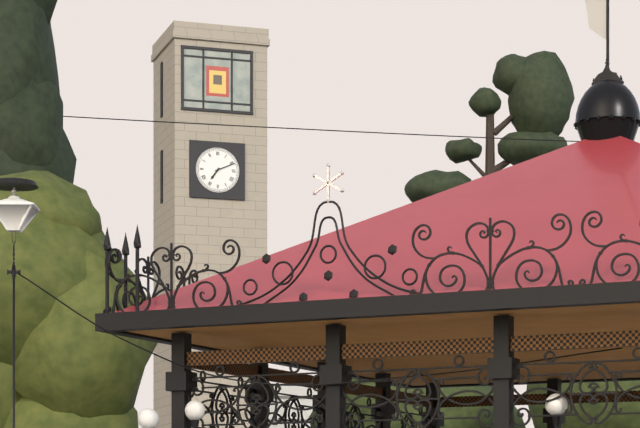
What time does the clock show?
7:11
